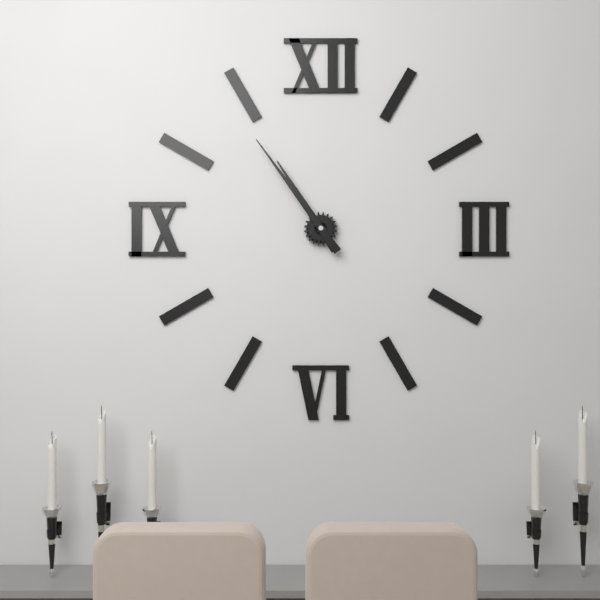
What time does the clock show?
10:54
